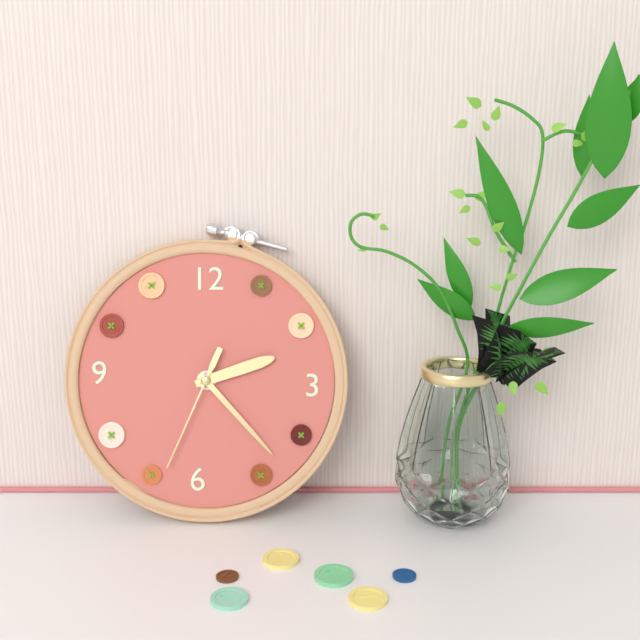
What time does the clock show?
2:23:34
